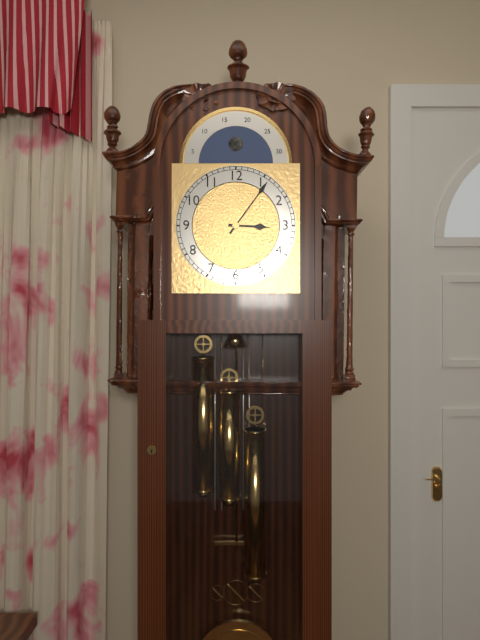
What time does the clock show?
3:06
